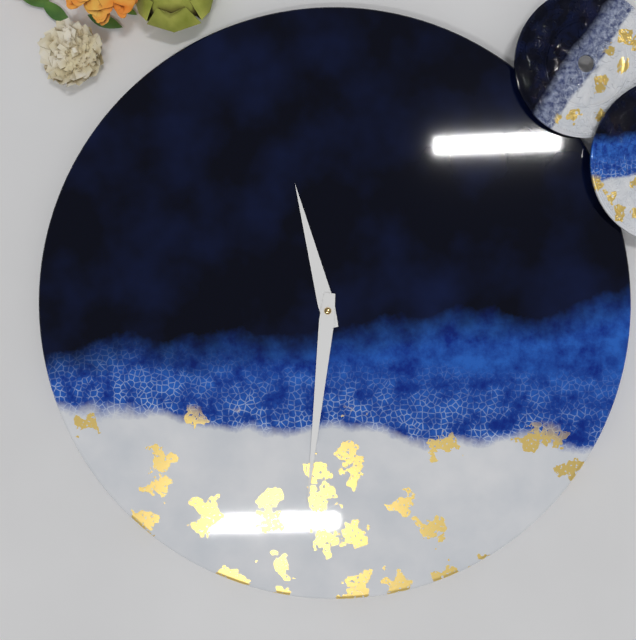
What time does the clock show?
11:31
